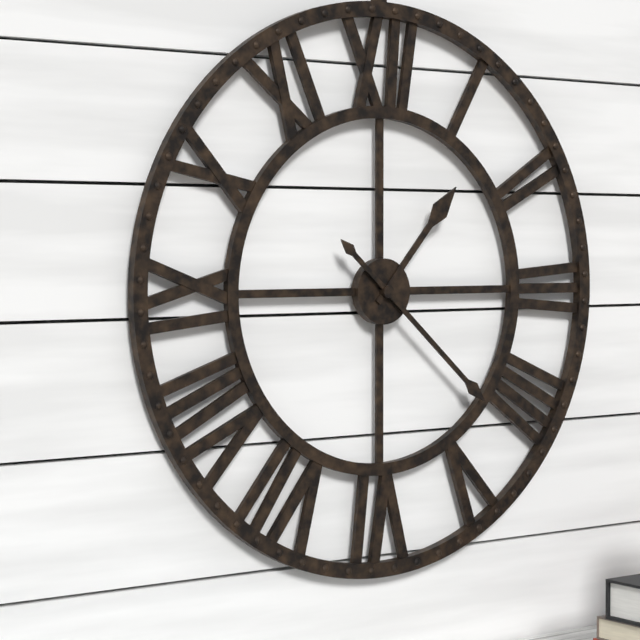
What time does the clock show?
1:22
